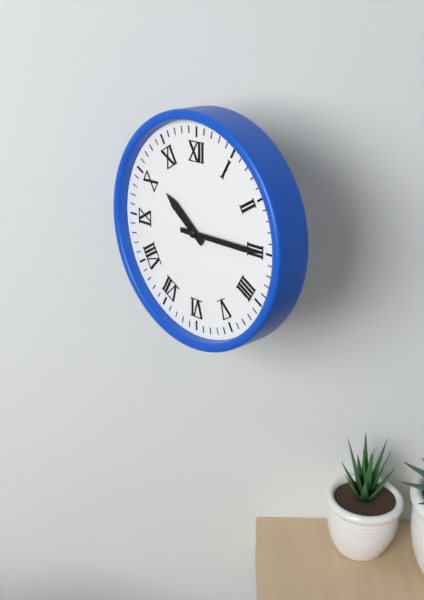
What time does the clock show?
10:15
